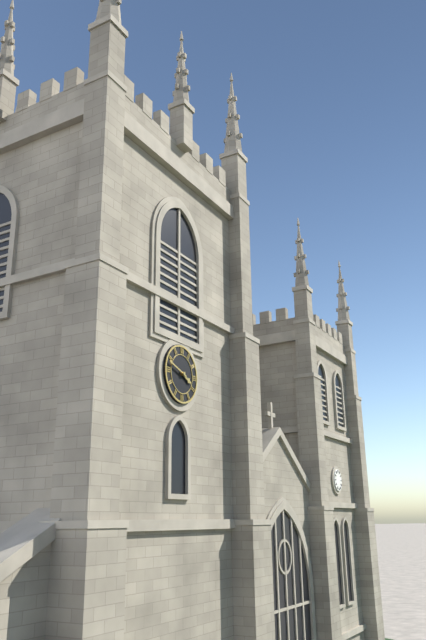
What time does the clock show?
3:48
